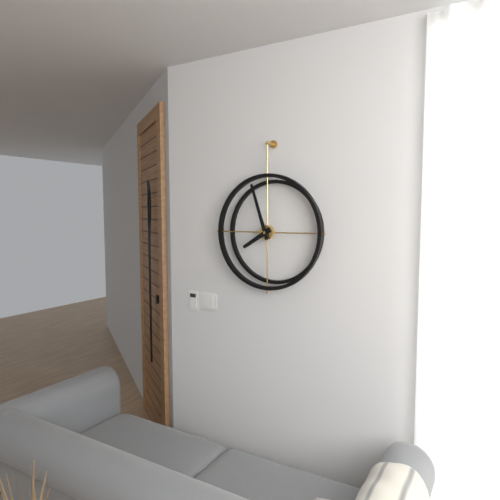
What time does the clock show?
7:57
